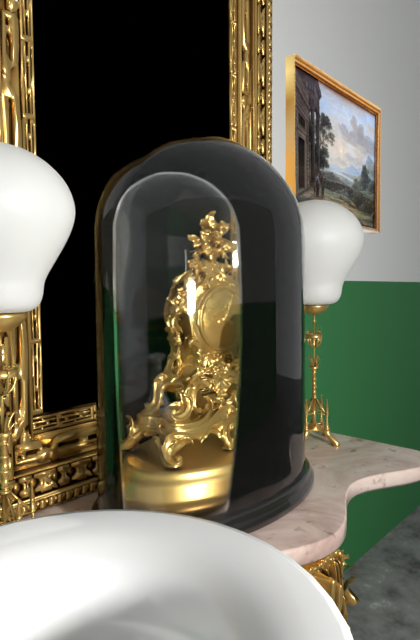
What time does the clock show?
7:02
